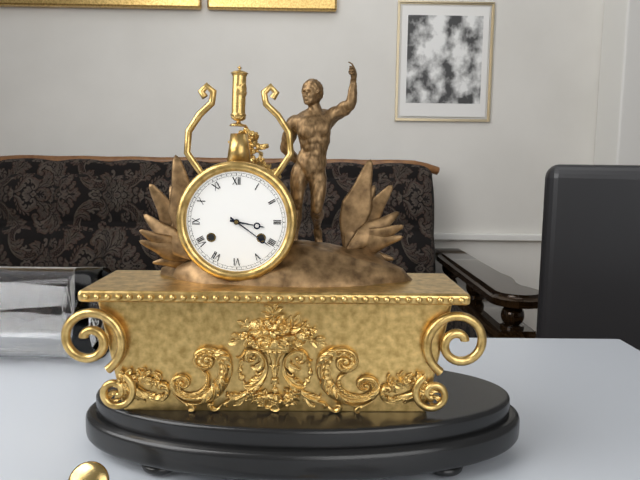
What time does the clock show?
3:21
